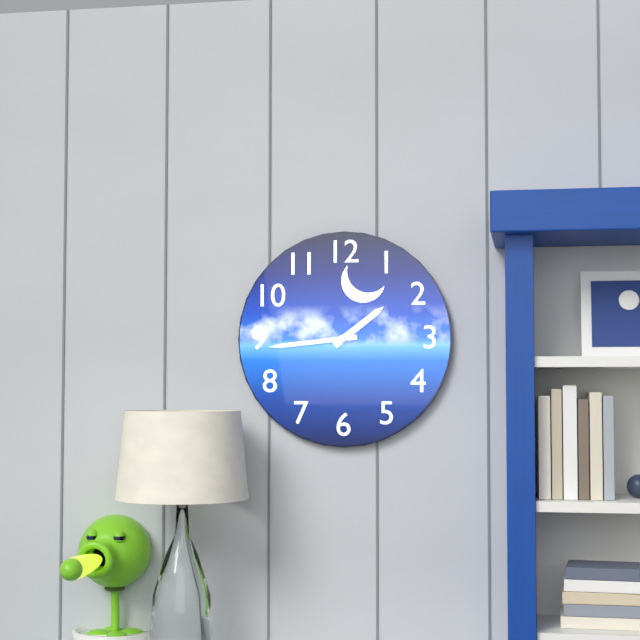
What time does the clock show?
1:44
